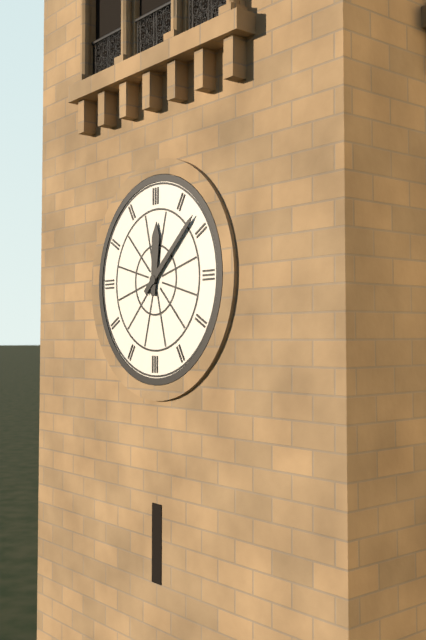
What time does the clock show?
12:08
